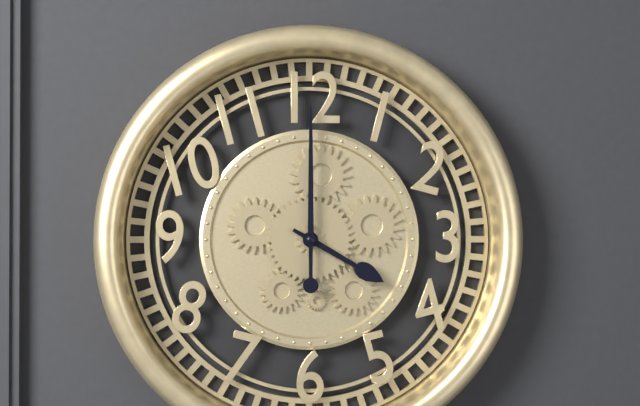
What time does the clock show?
4:00
